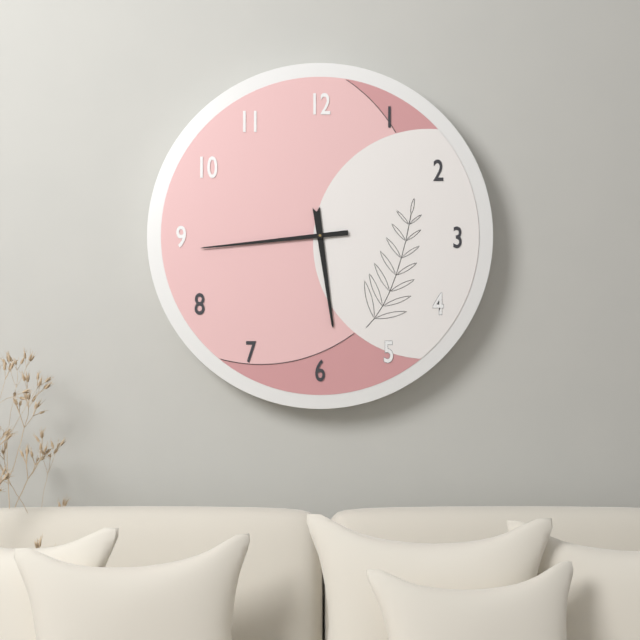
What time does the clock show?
5:44
